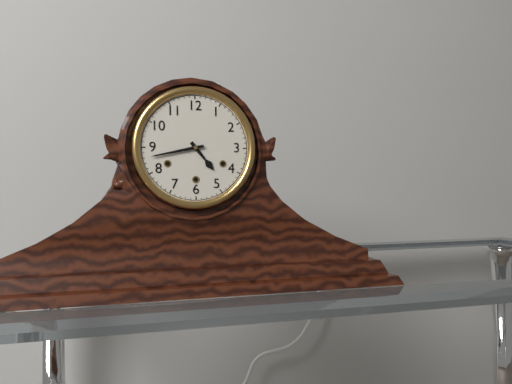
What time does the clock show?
4:43
